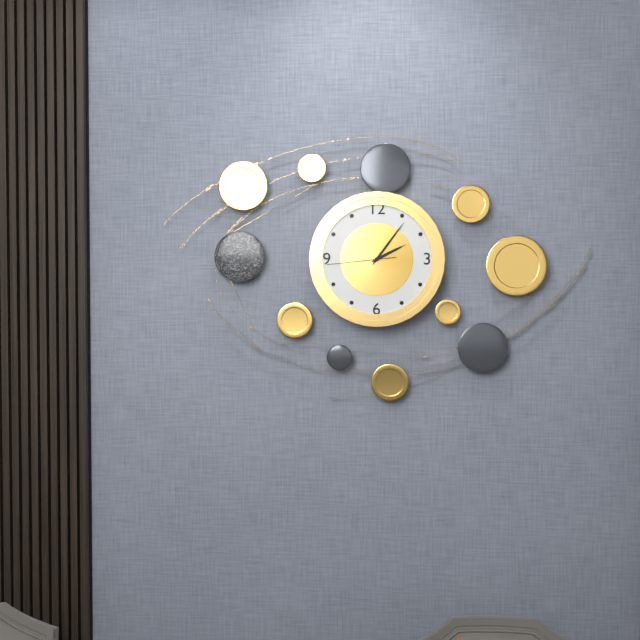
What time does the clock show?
2:06:44
